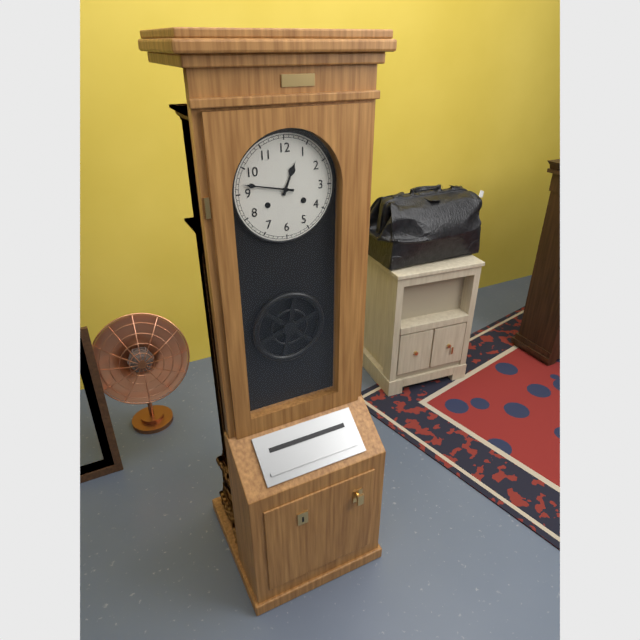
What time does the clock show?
12:47
